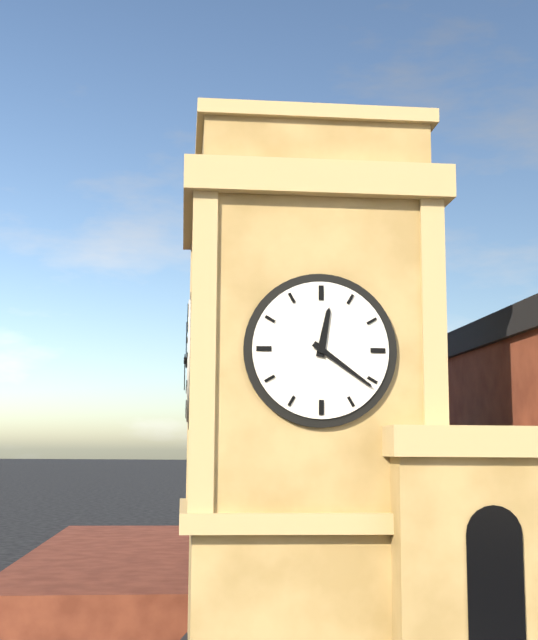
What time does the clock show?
12:21
